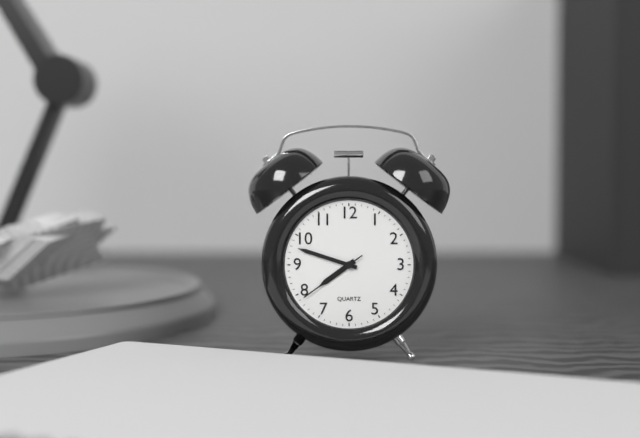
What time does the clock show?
7:48:39
